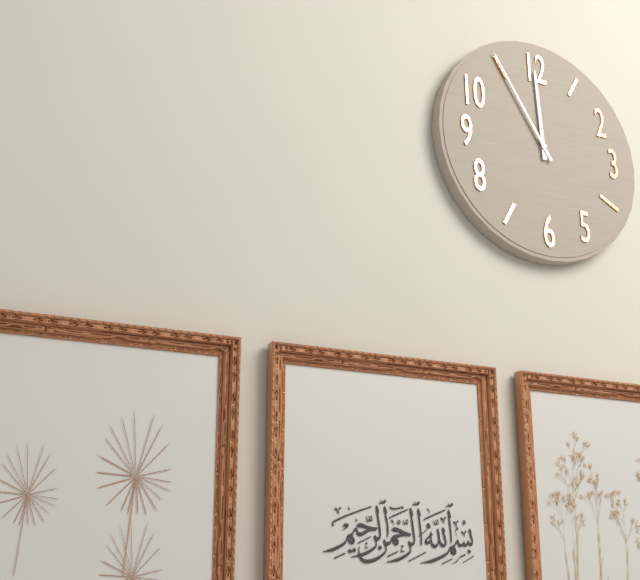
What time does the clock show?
11:55
